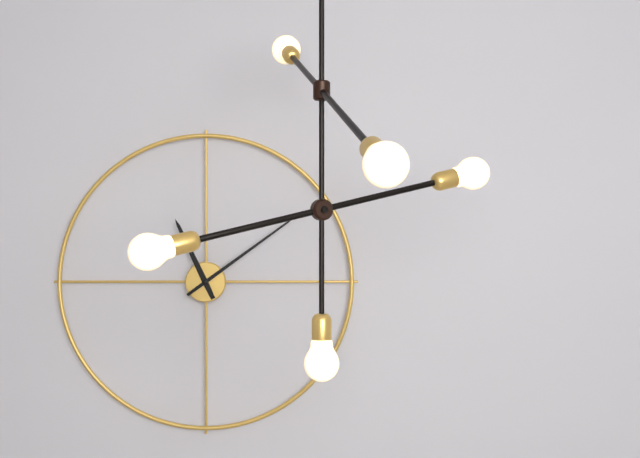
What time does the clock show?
11:09
